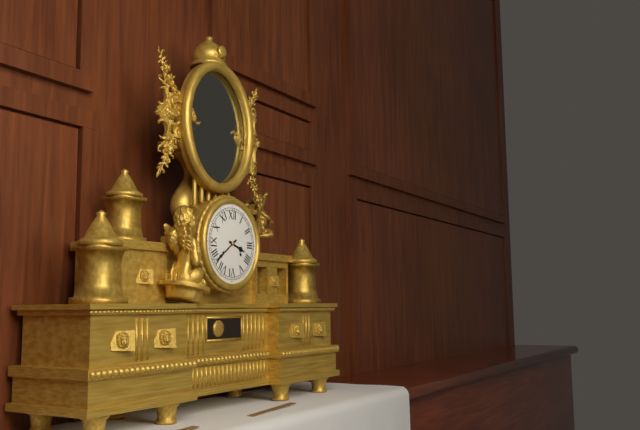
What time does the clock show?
3:39
